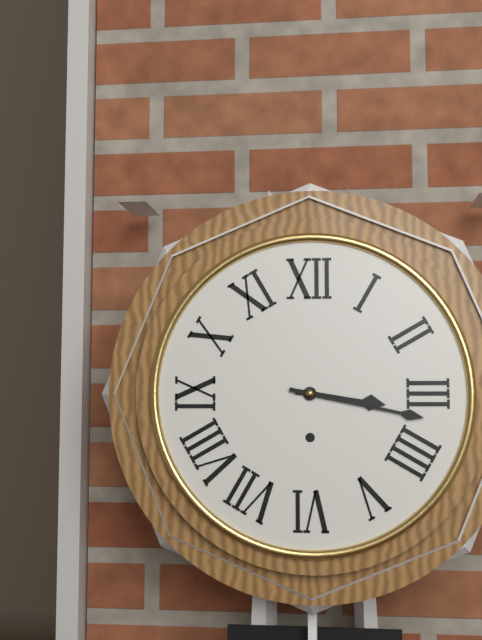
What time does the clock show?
3:17
